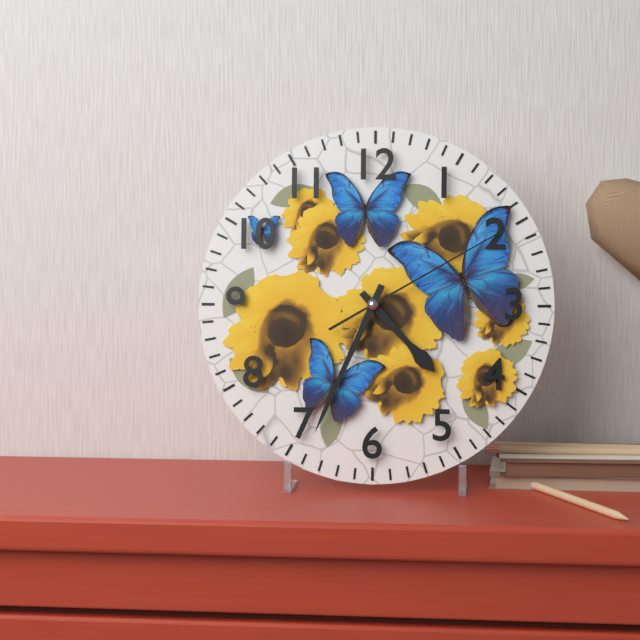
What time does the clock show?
4:34:10
